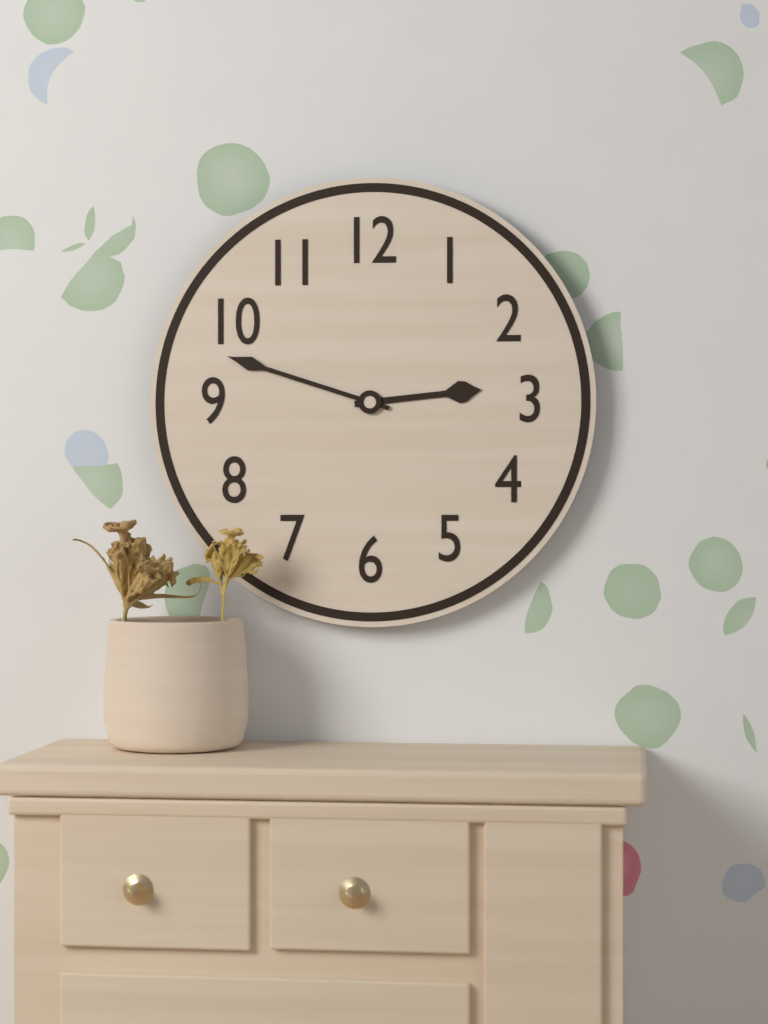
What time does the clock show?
2:48
